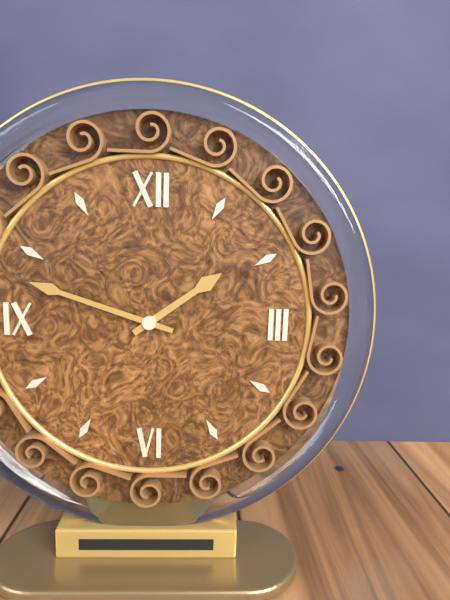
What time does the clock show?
1:48
